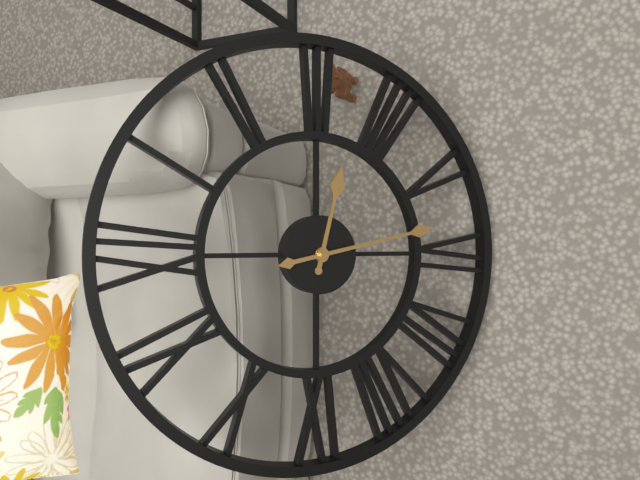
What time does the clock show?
3:28
